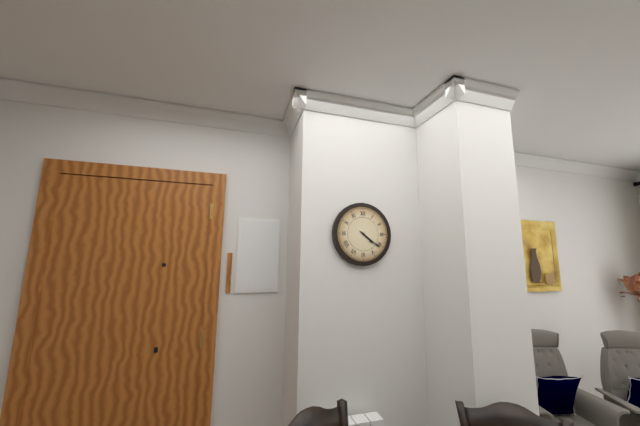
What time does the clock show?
4:21
